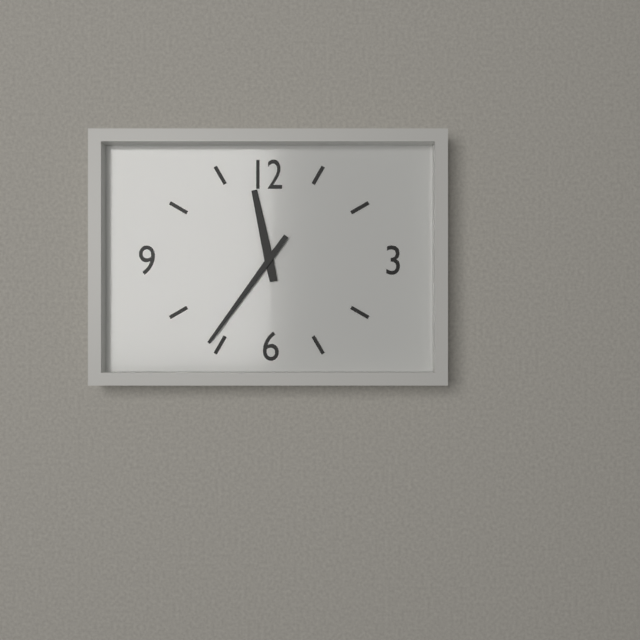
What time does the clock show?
11:36
